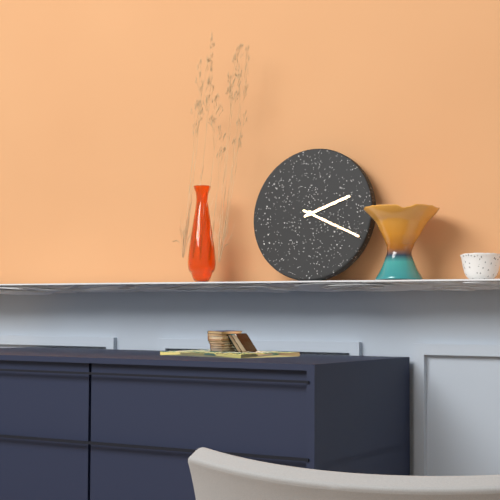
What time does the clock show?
2:19
